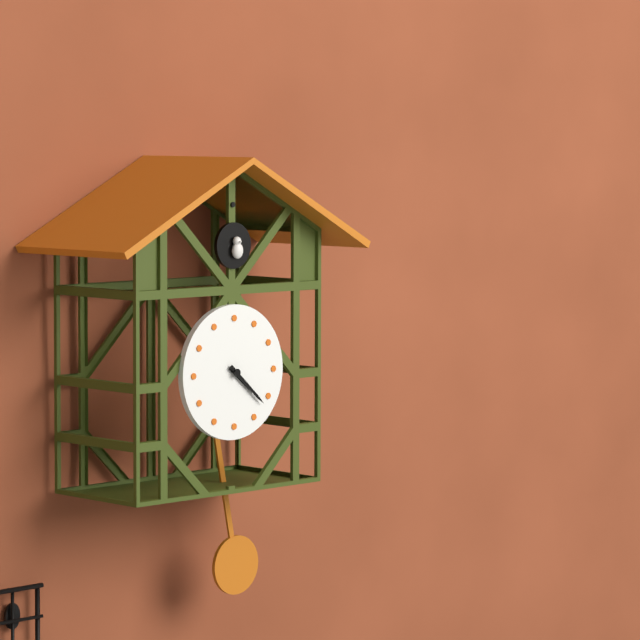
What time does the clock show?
4:22
